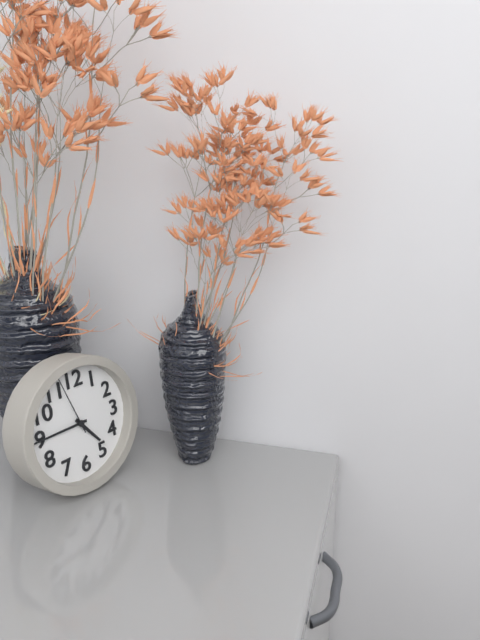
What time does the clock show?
4:45:57
